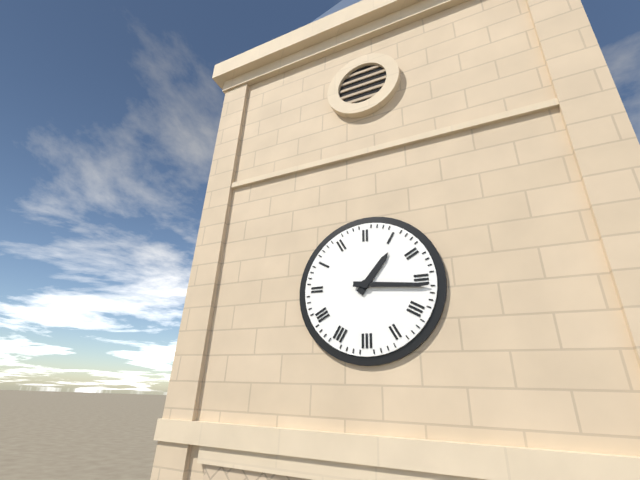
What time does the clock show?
1:16
